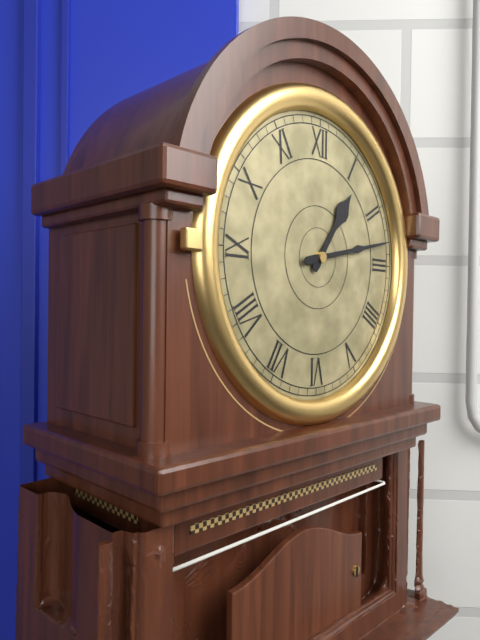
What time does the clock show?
1:13
